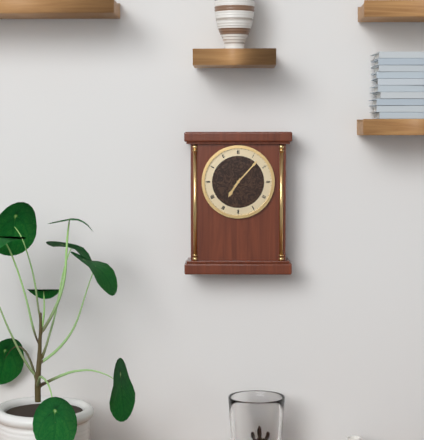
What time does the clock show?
7:07
